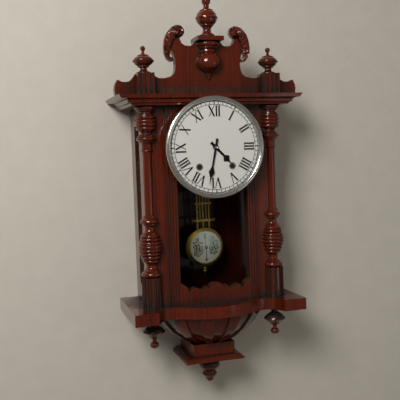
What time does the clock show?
4:32
